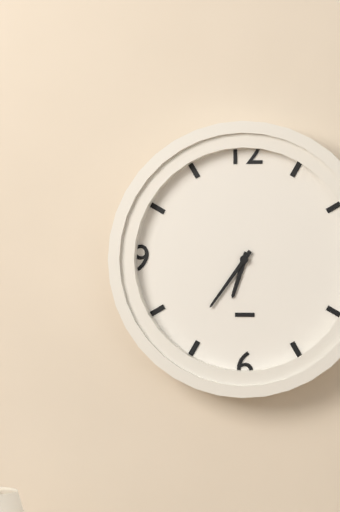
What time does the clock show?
6:36
